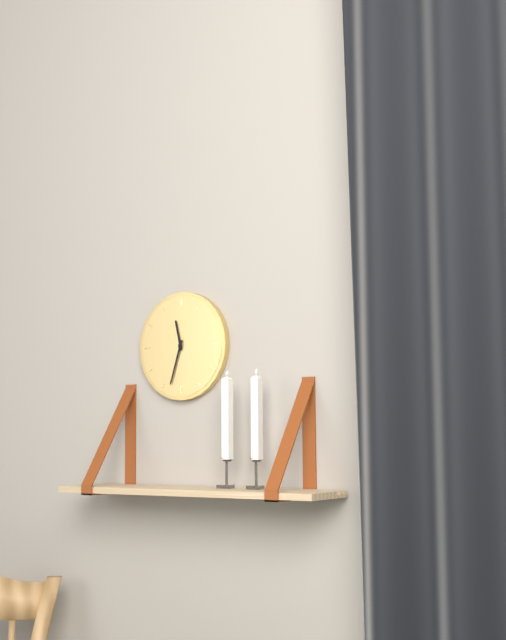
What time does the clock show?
11:33
